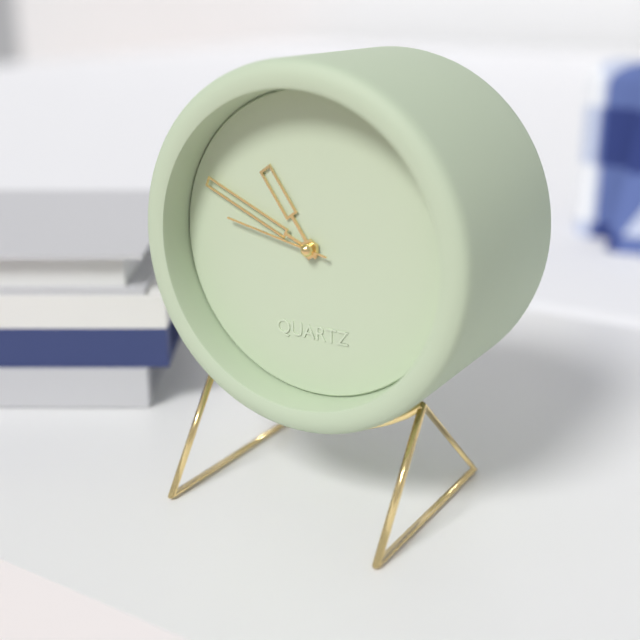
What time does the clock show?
10:49:47
